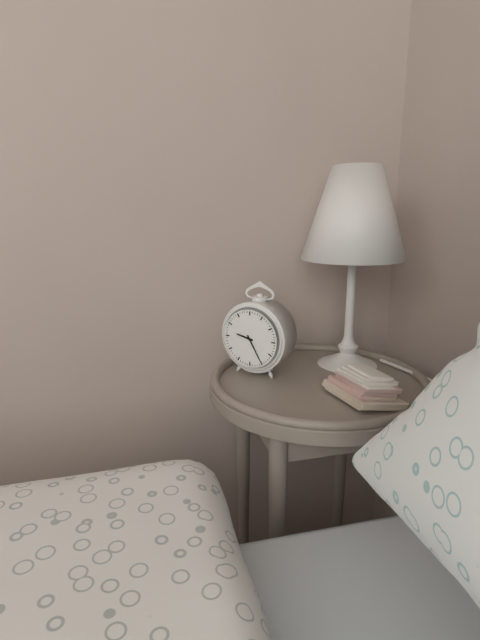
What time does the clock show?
9:25
